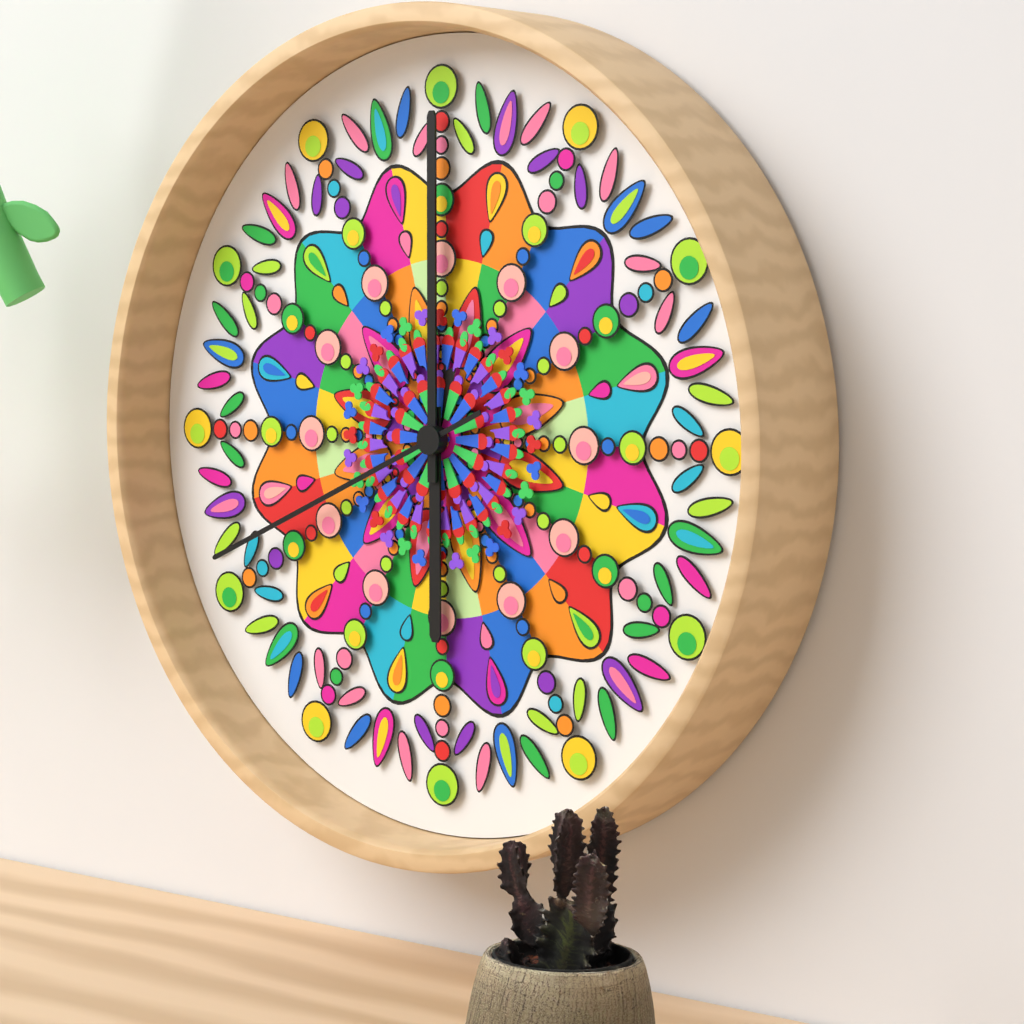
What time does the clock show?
6:00:41
